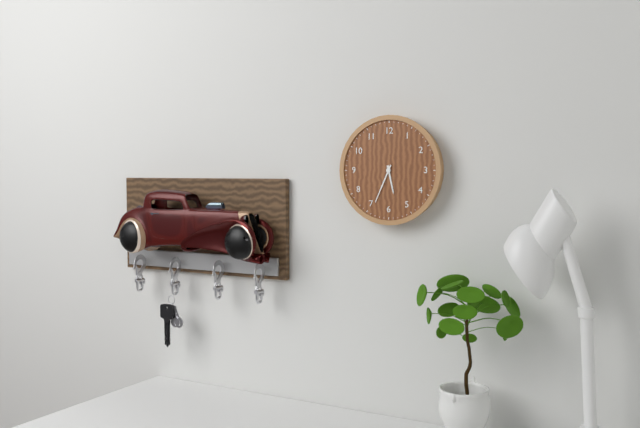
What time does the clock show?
5:34
